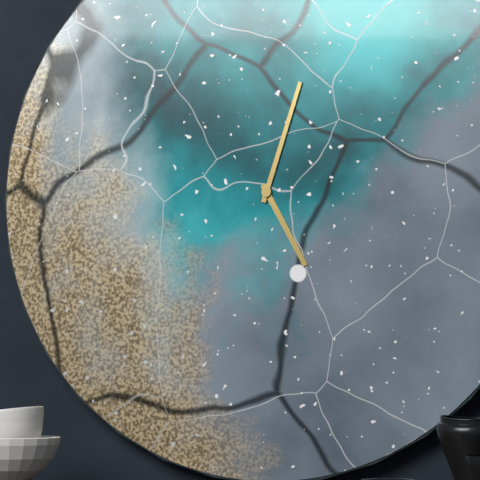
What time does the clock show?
5:03
